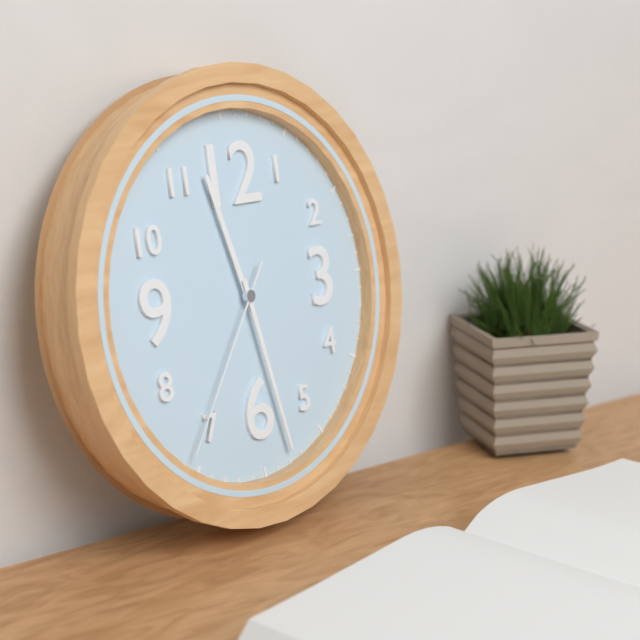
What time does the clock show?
11:28:36
